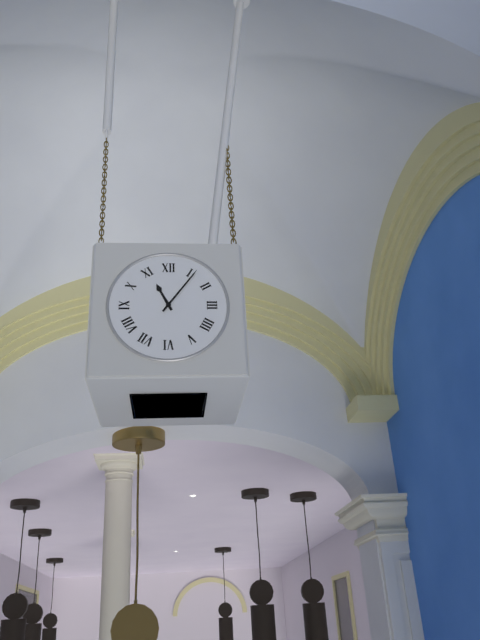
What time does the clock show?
11:06
